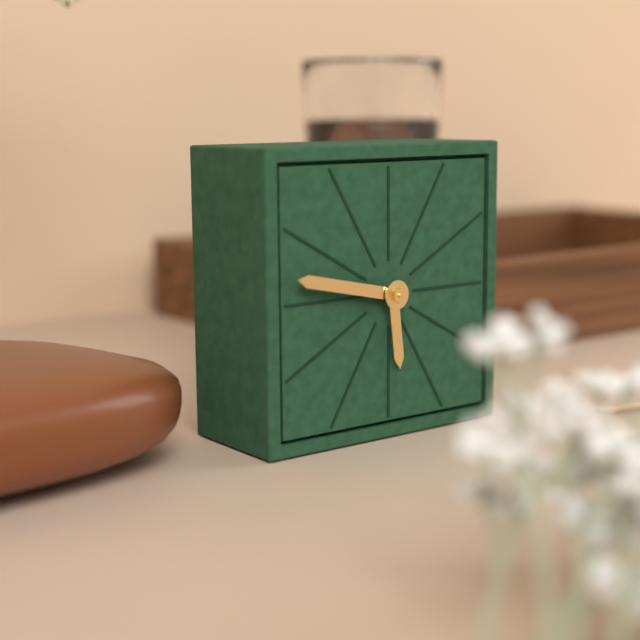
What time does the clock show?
5:47
